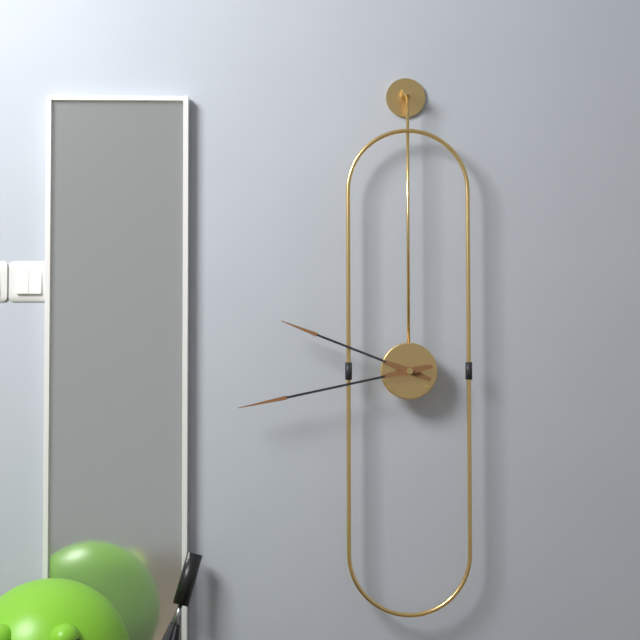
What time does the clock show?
9:43
